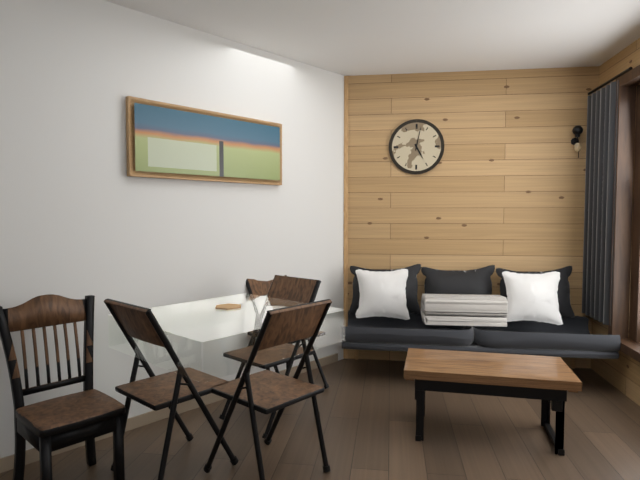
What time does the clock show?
5:02
